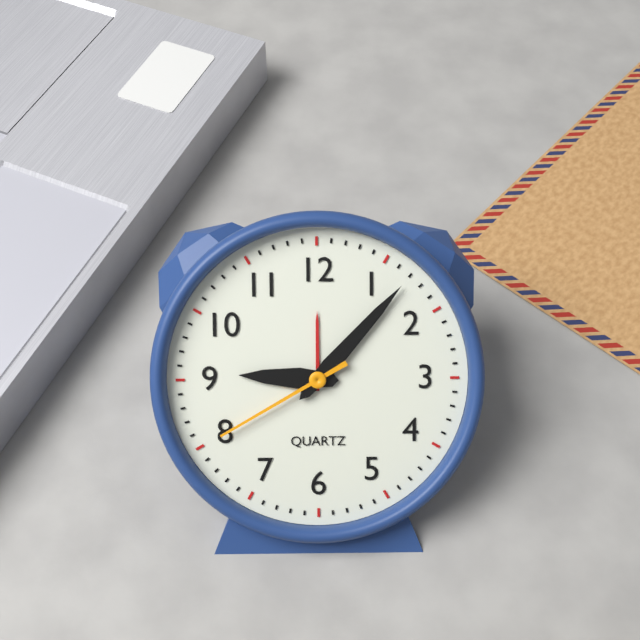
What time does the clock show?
9:07:40
